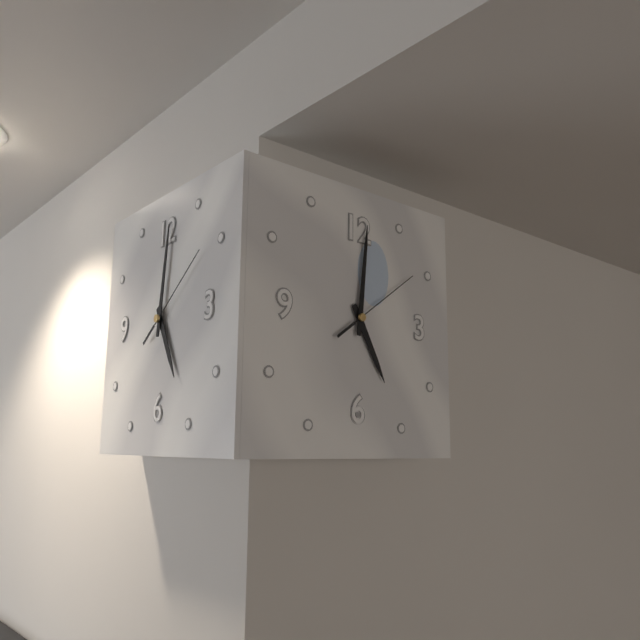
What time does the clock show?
5:01:09
